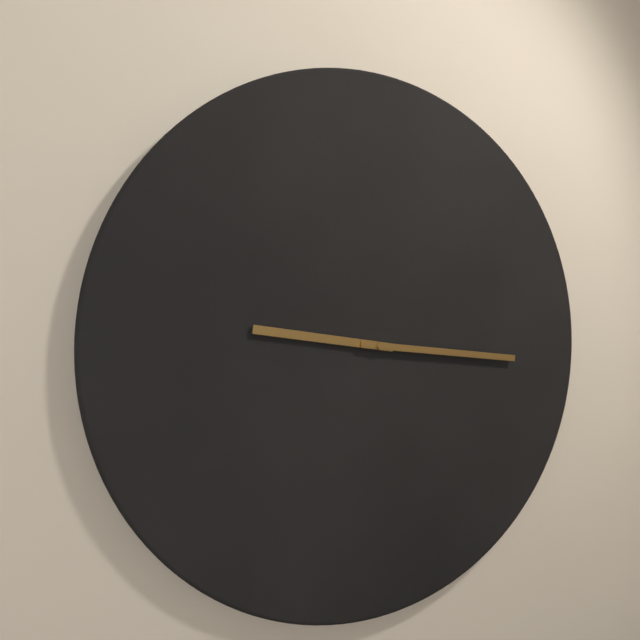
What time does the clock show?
9:16
